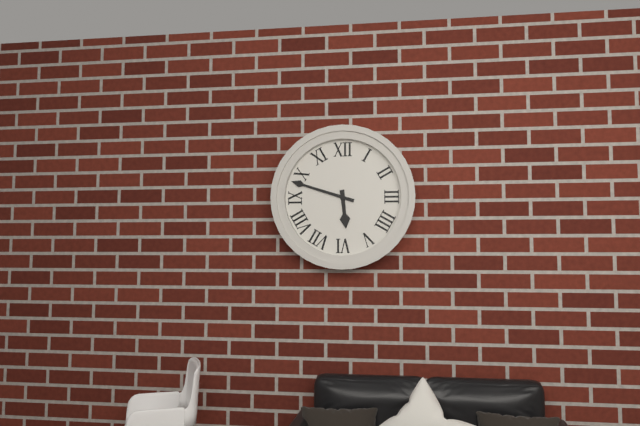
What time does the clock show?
5:48
